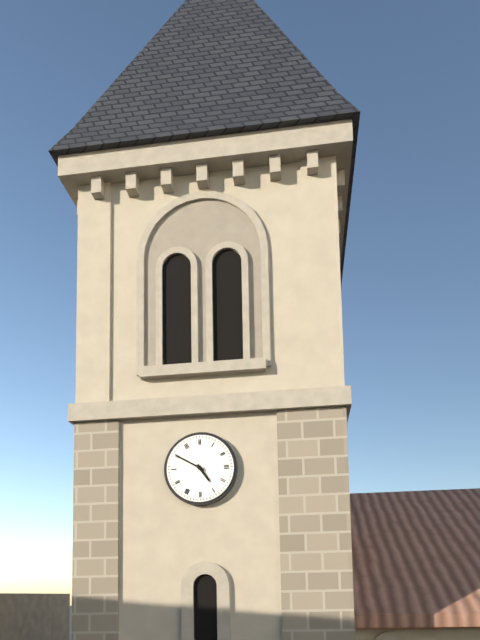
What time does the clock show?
4:50
